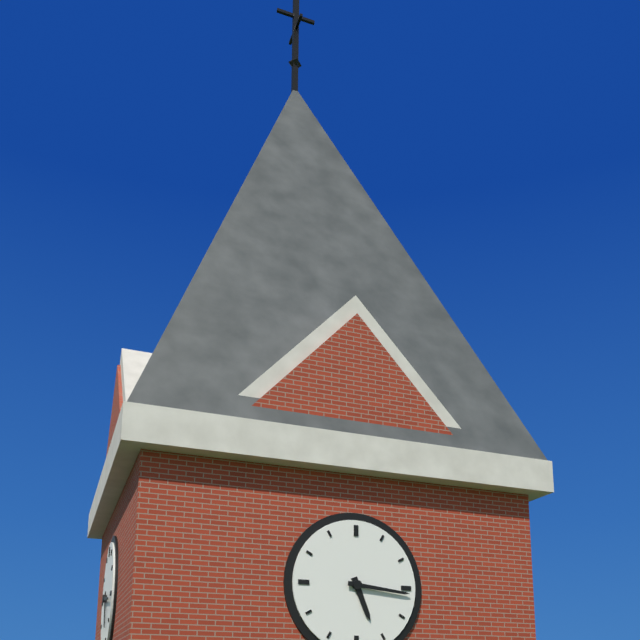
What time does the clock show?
5:16
